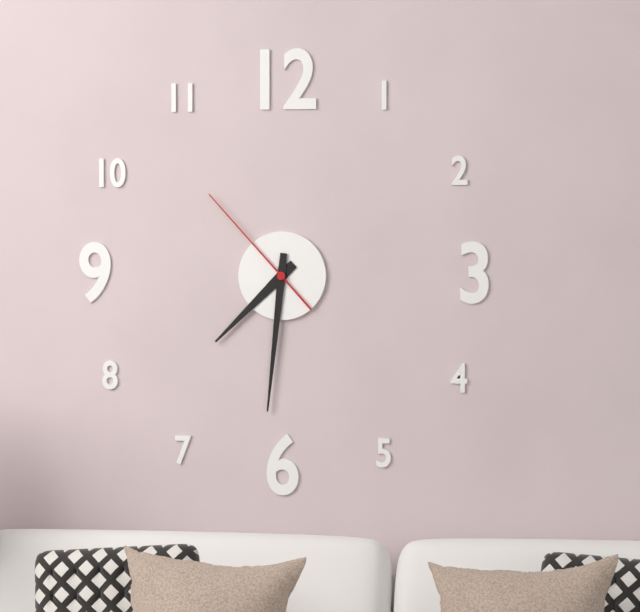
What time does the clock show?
7:31:53
